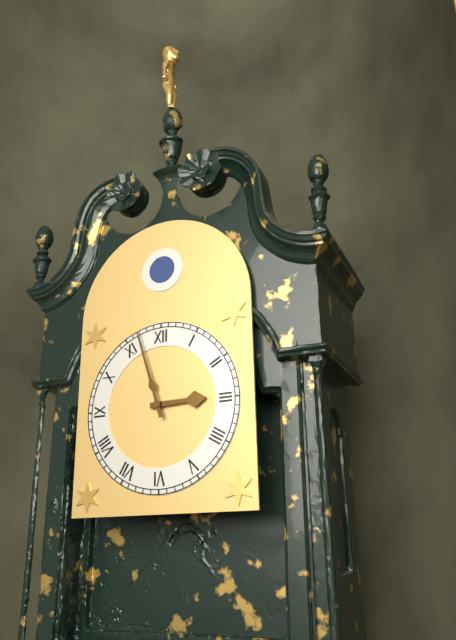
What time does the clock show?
2:57
